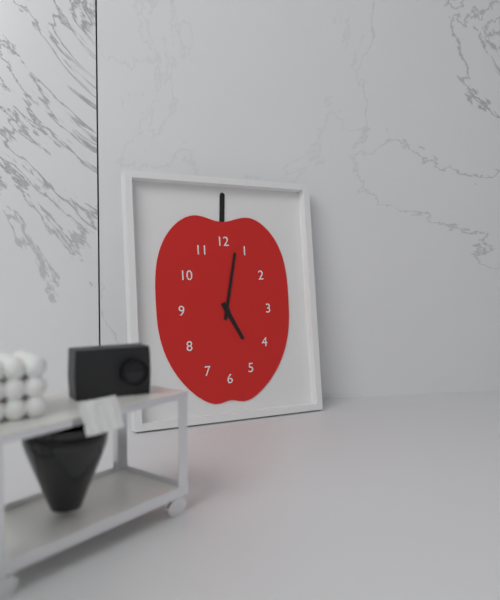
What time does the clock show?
5:02
